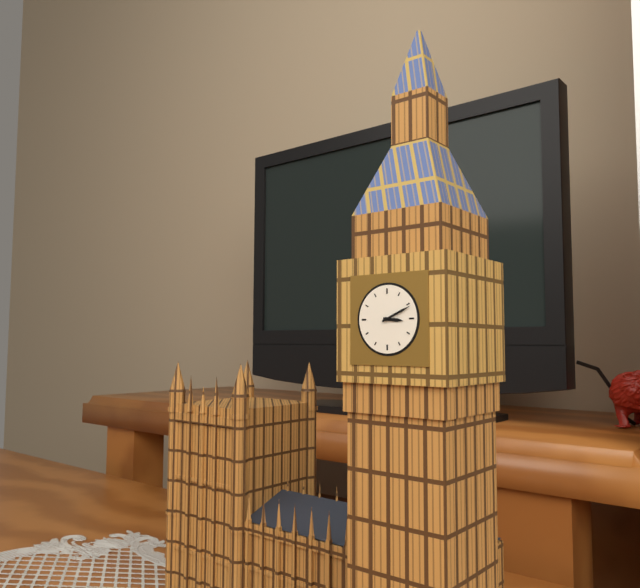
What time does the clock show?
3:11
